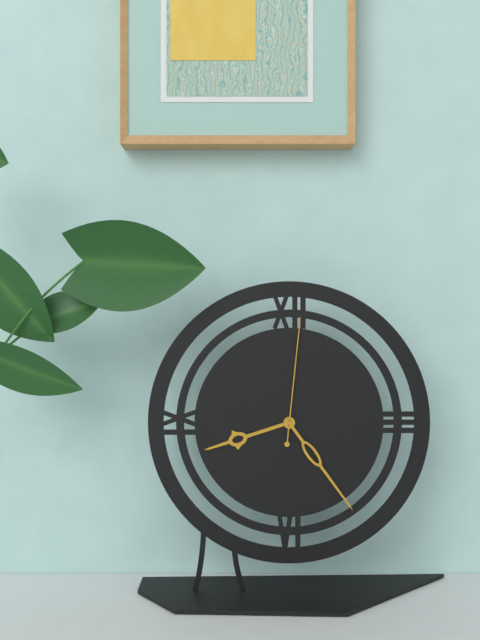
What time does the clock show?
8:24:01
